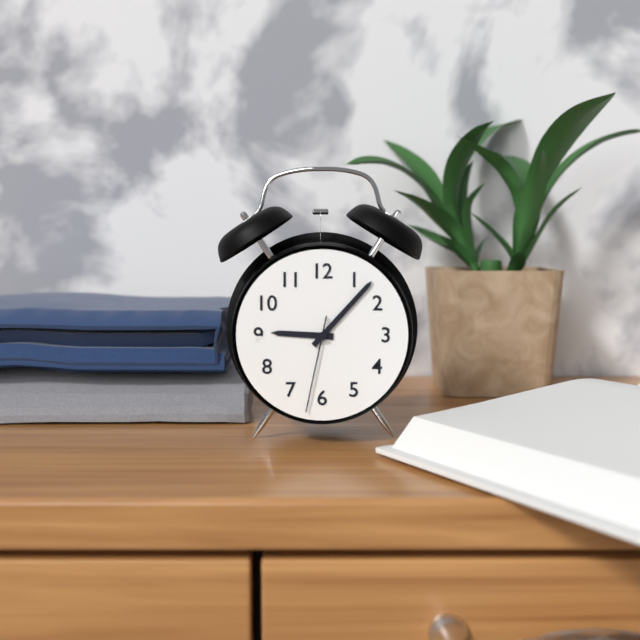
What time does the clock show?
9:07:32
